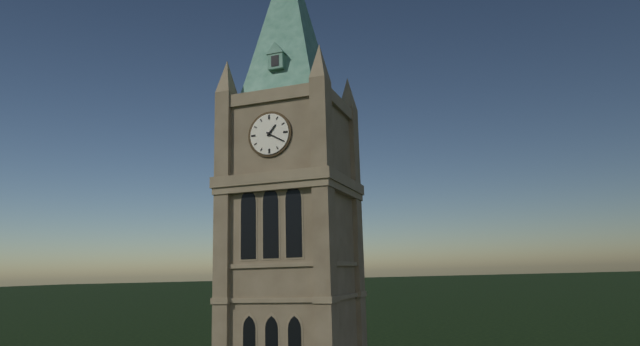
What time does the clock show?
1:20
